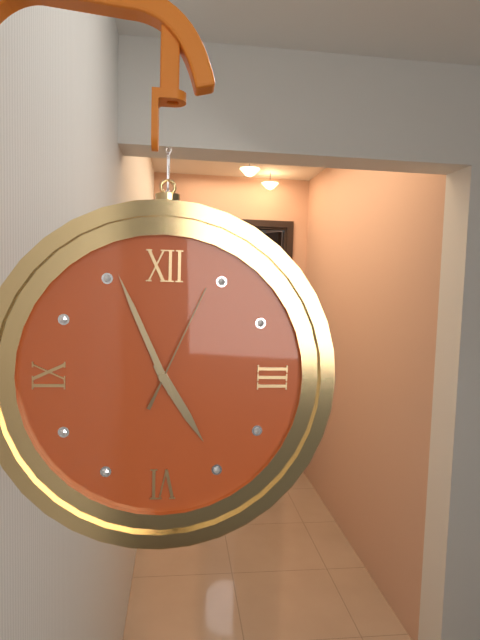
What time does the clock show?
4:56:04
